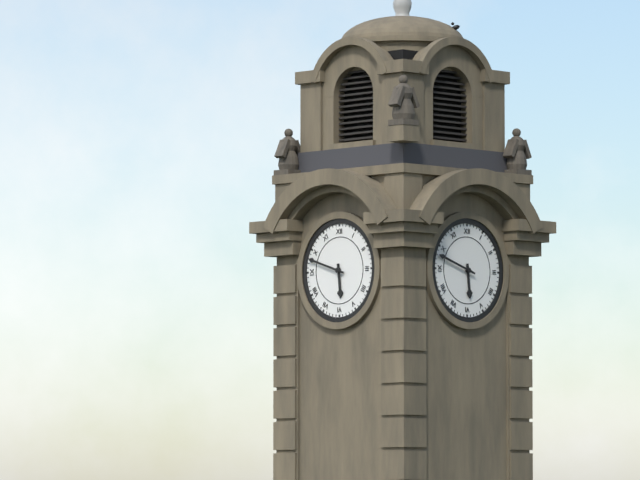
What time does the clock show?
5:48
